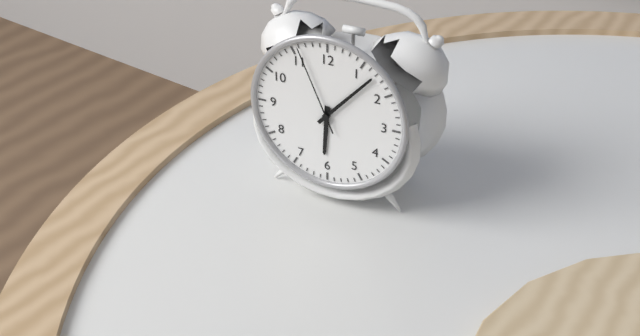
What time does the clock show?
6:07:56
